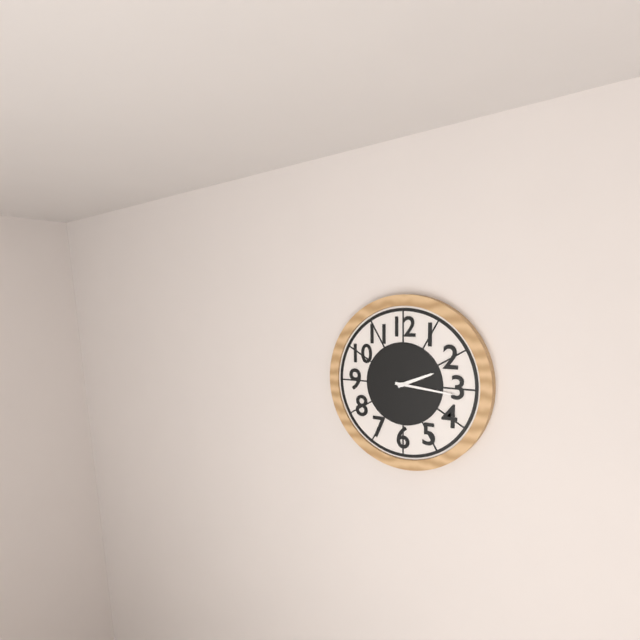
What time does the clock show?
2:16
